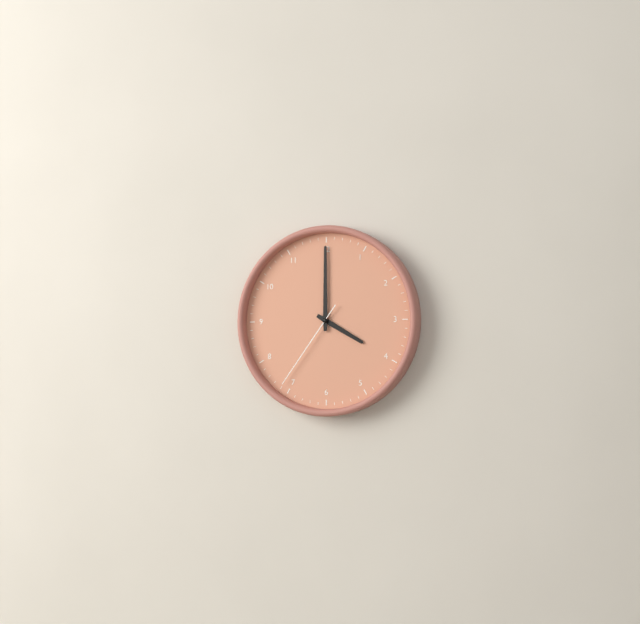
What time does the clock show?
4:00:36
